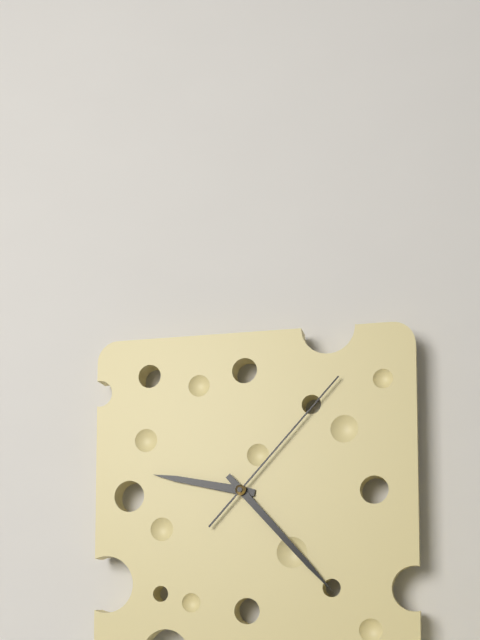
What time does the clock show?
9:23:07
